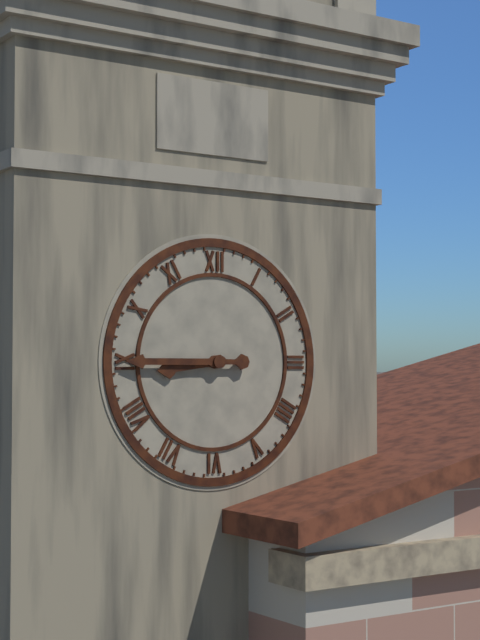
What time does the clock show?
8:45
